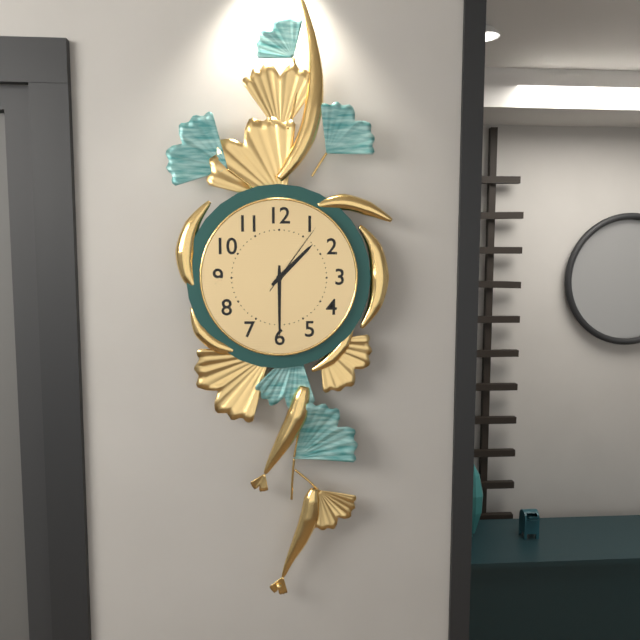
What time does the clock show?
1:30:06
